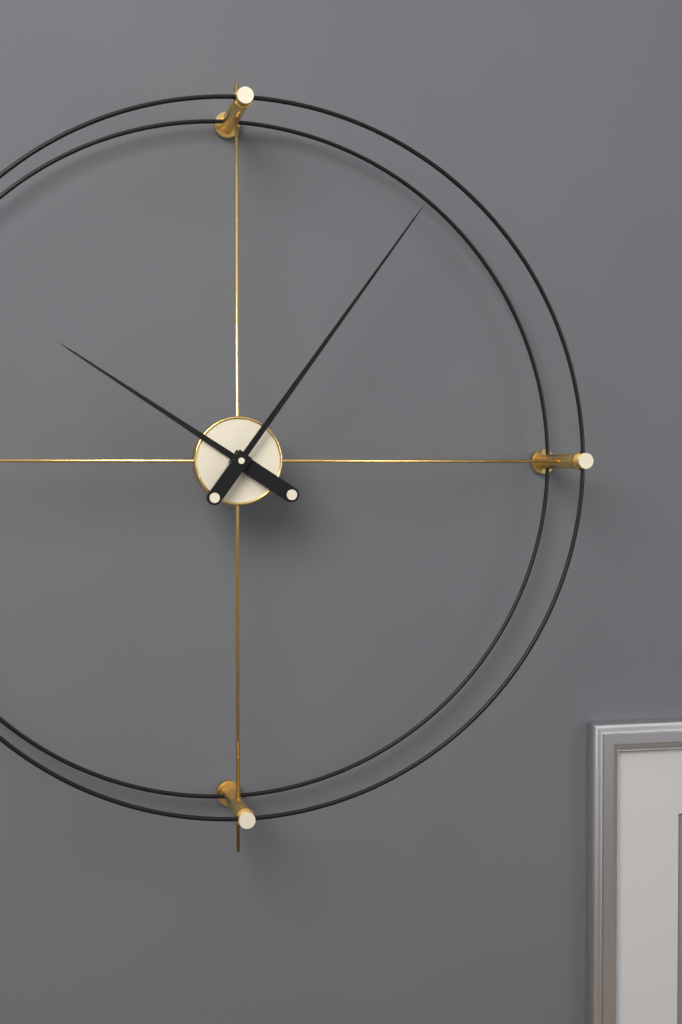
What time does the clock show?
10:06
